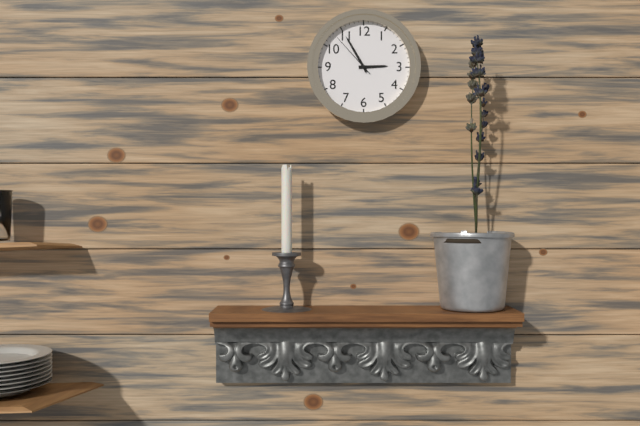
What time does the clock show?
2:55
